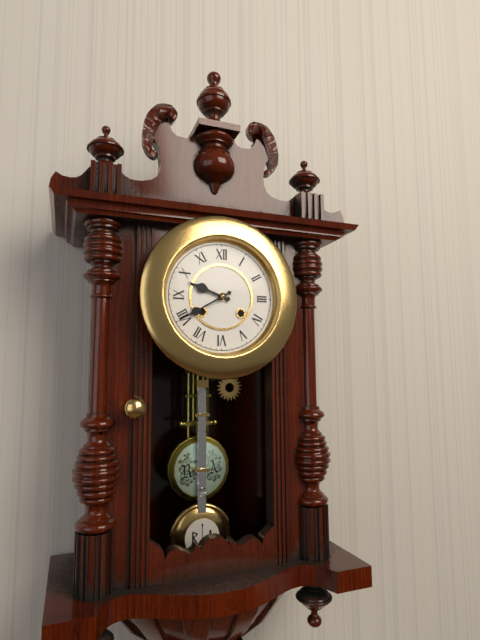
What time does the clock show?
9:40
